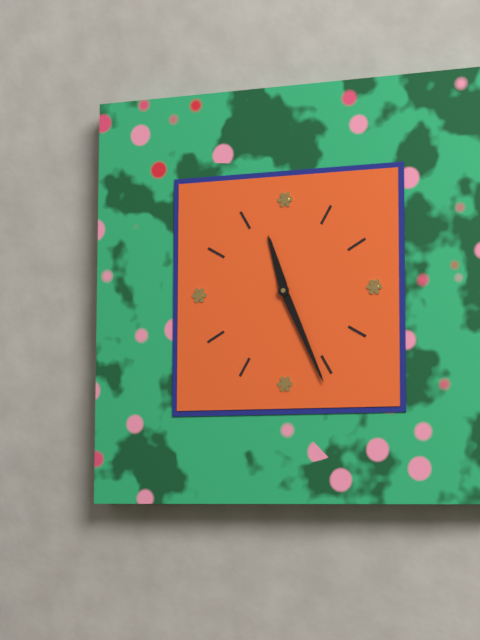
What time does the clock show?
11:26
